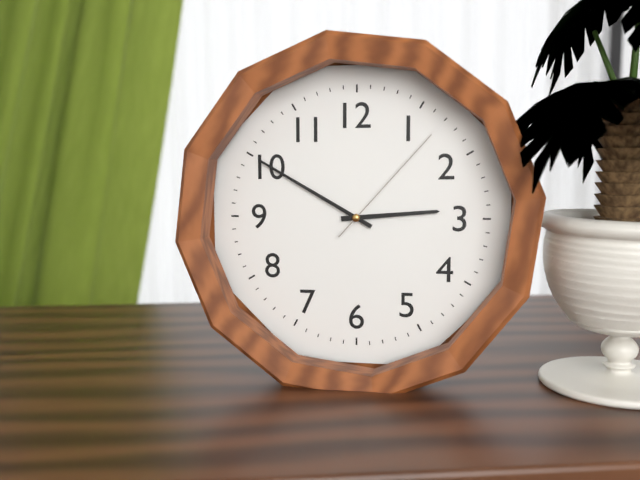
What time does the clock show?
2:50:07
